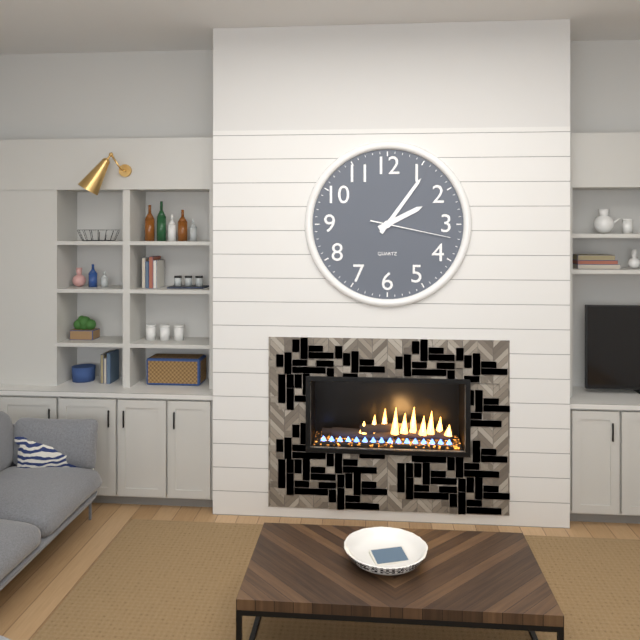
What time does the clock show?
2:06:17
